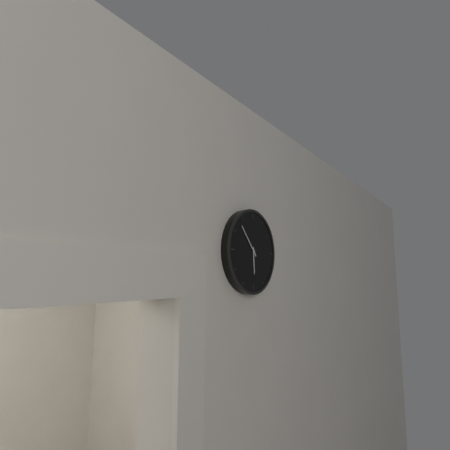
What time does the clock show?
5:53
